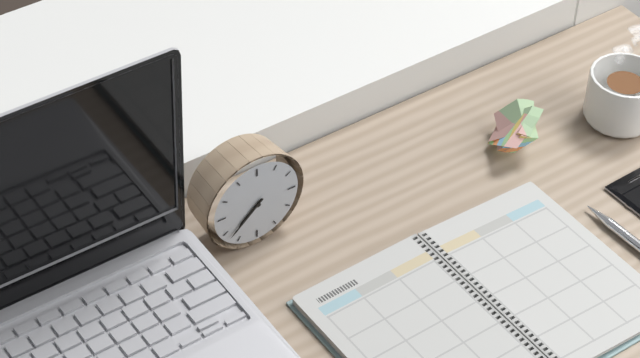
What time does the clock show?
7:38
